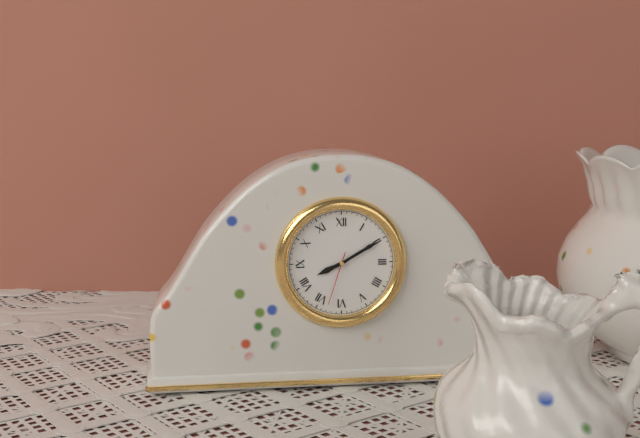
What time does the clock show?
8:10:33
